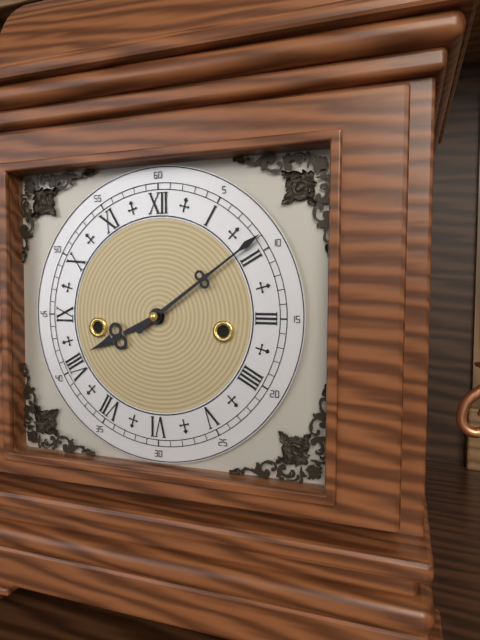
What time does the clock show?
8:09
